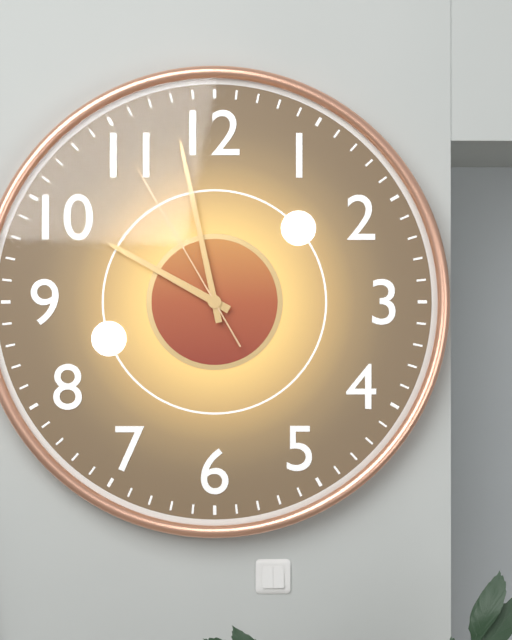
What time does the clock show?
9:58:55
